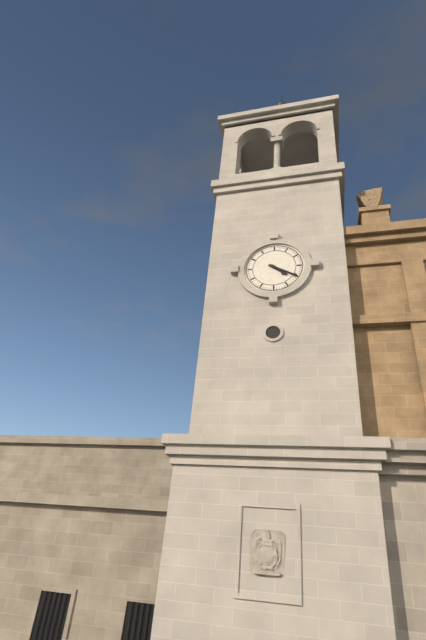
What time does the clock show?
4:20
